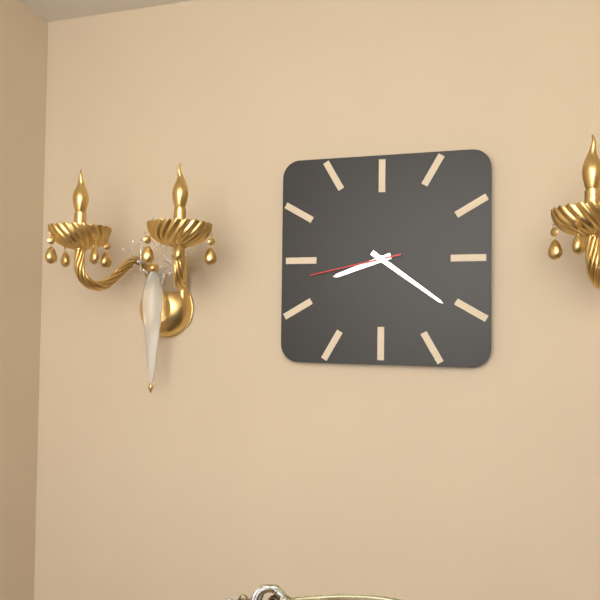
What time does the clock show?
8:21:43
